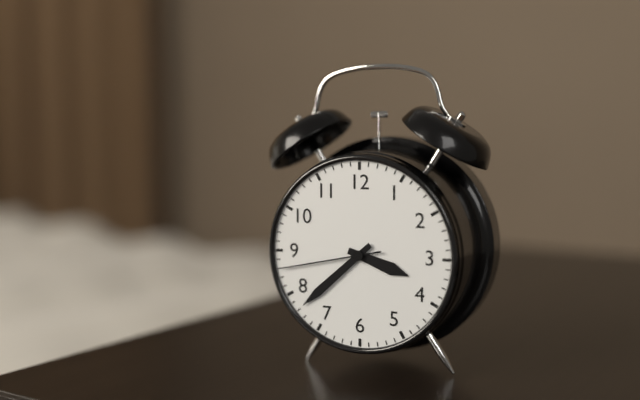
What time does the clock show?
3:38:43
